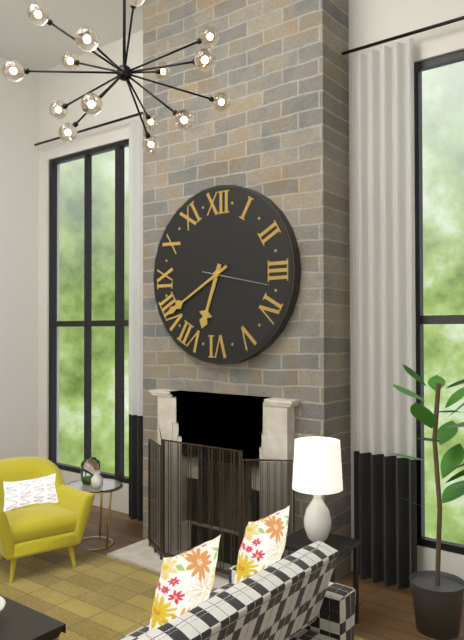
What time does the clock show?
6:40:17
